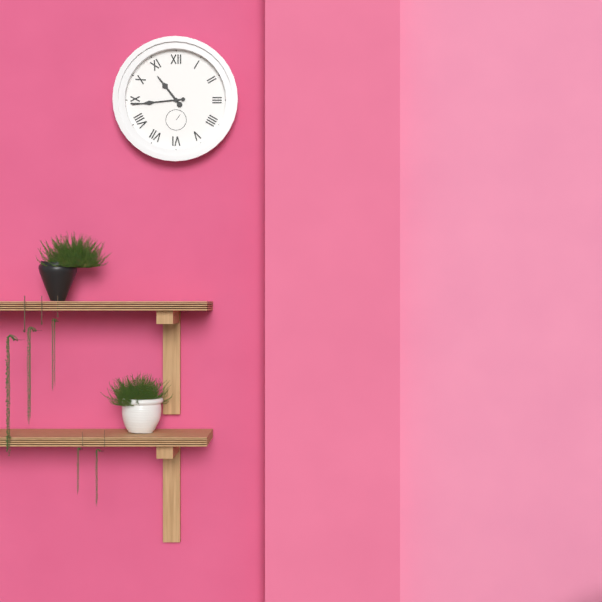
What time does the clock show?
10:44
